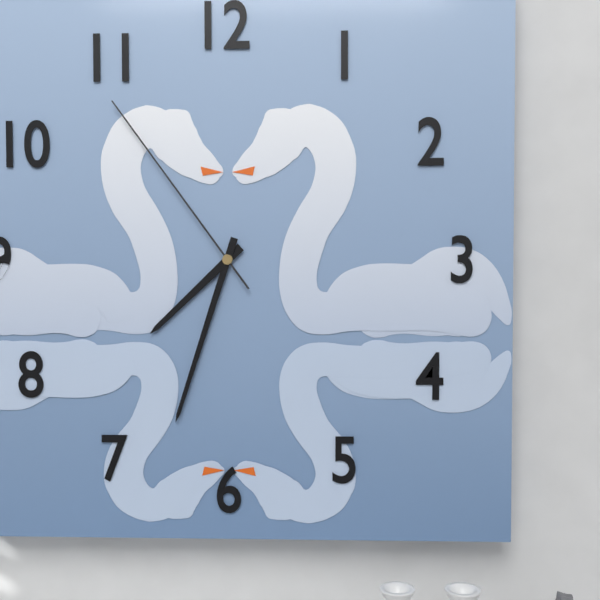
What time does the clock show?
7:33:54
